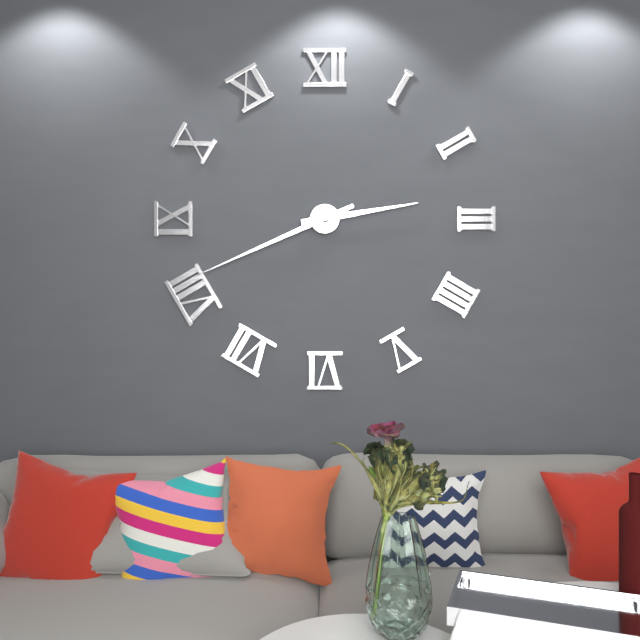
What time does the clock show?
2:41
